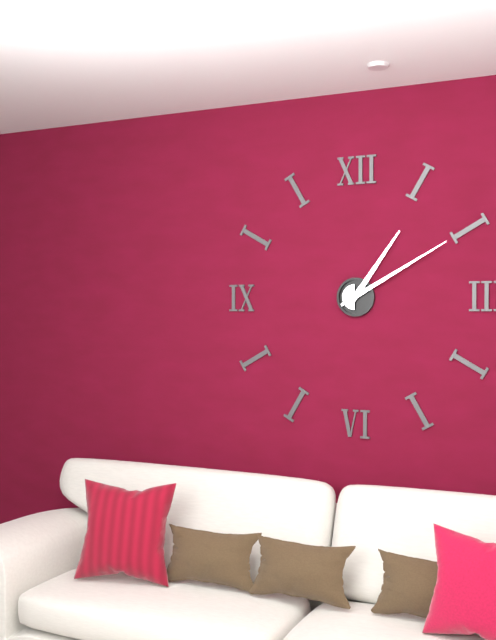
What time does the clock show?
1:10
